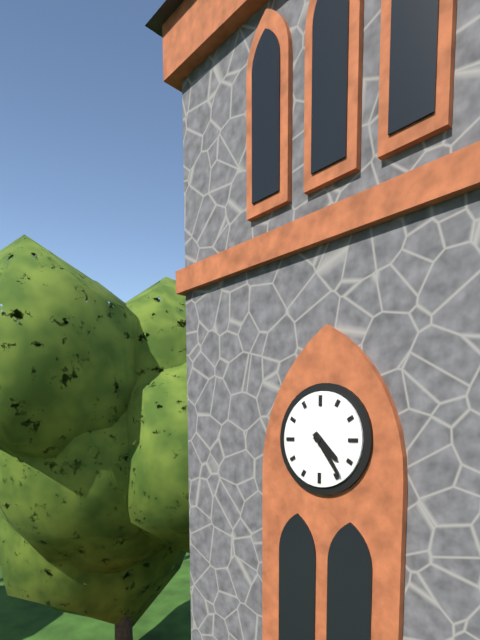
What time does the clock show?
4:24
